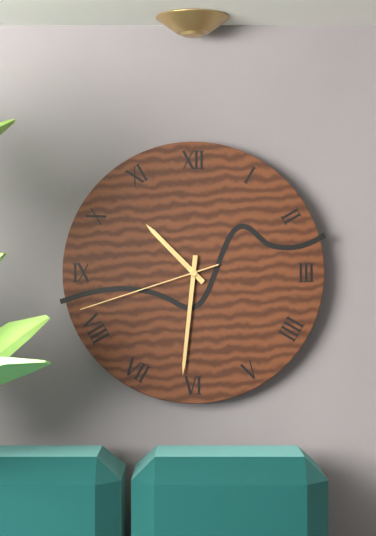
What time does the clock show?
10:31:42
